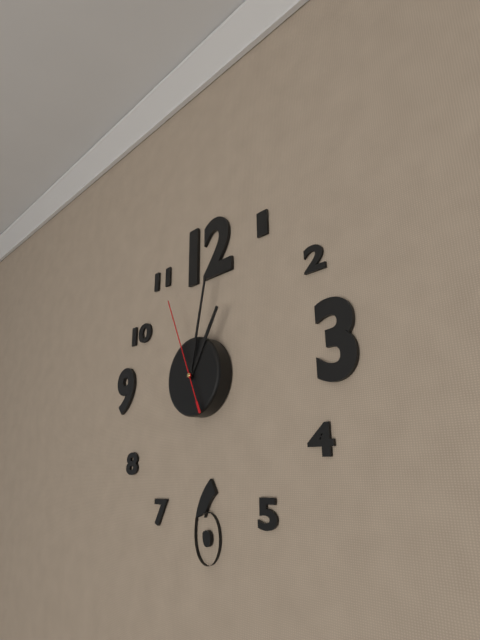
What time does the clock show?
1:02:56
